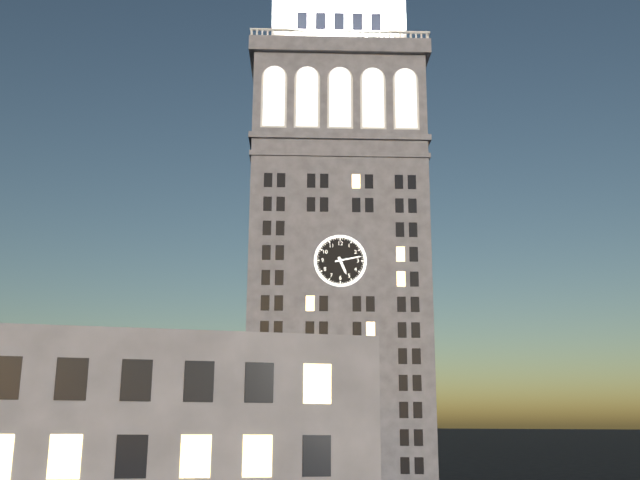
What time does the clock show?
5:13
